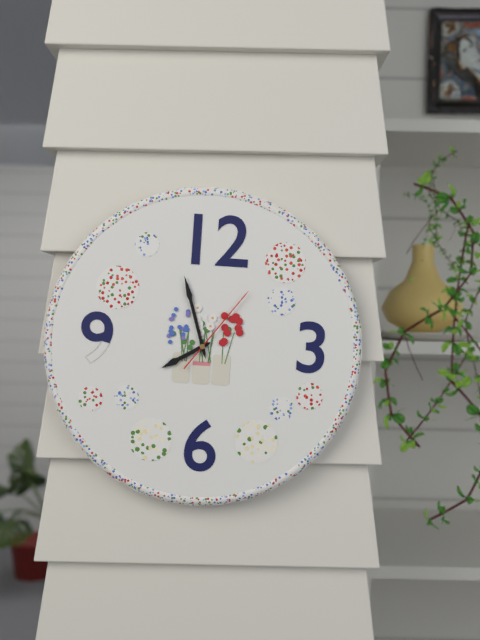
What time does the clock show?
7:57:06
